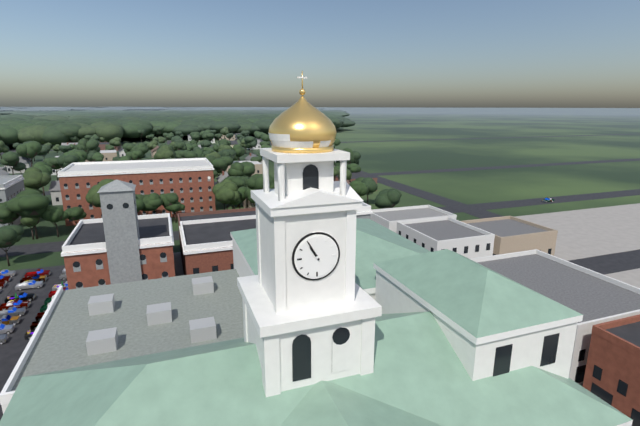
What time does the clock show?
10:55
